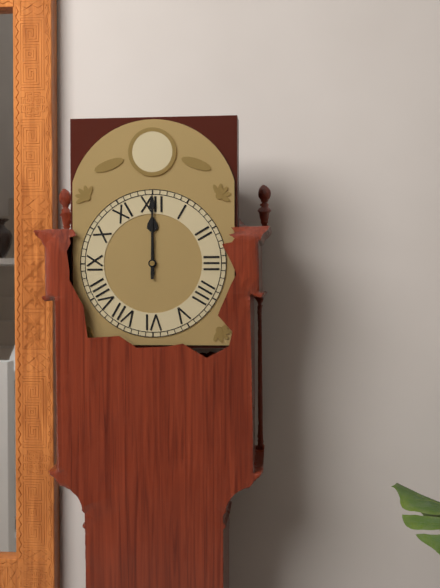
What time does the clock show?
12:00
